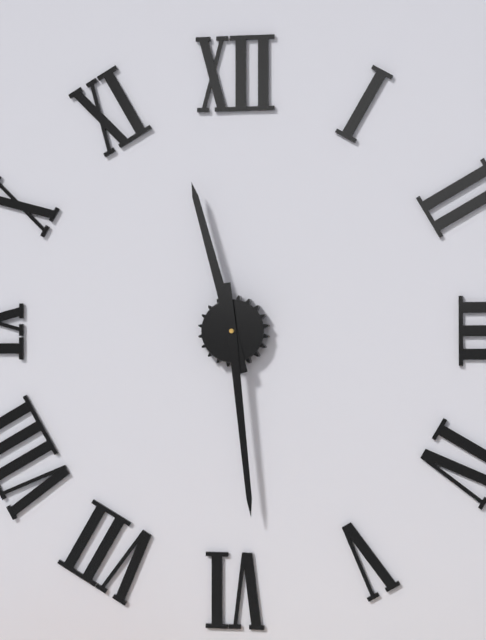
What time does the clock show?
11:29
